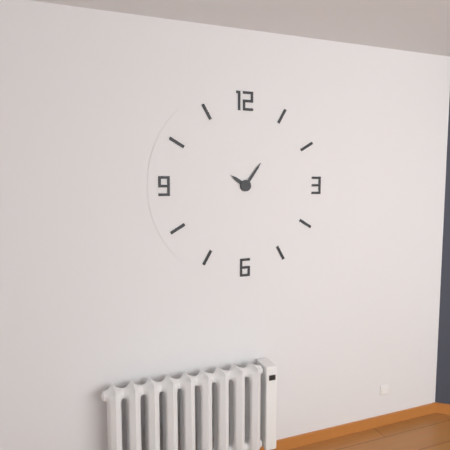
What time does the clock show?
10:06
